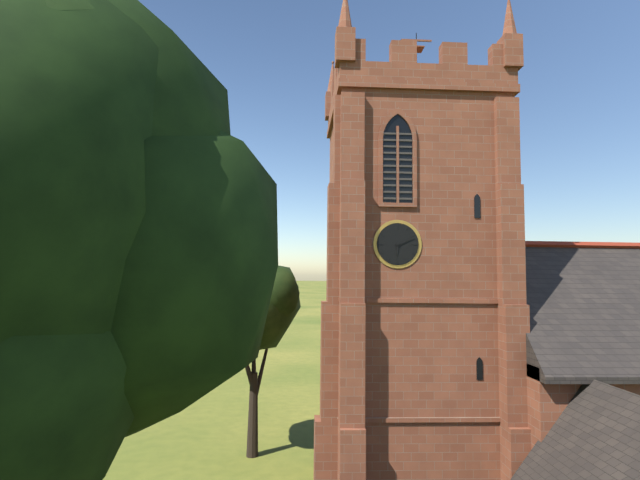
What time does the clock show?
6:11
